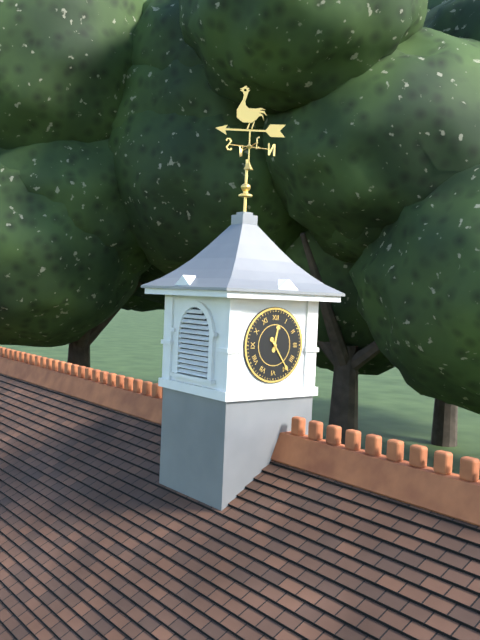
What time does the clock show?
12:24
